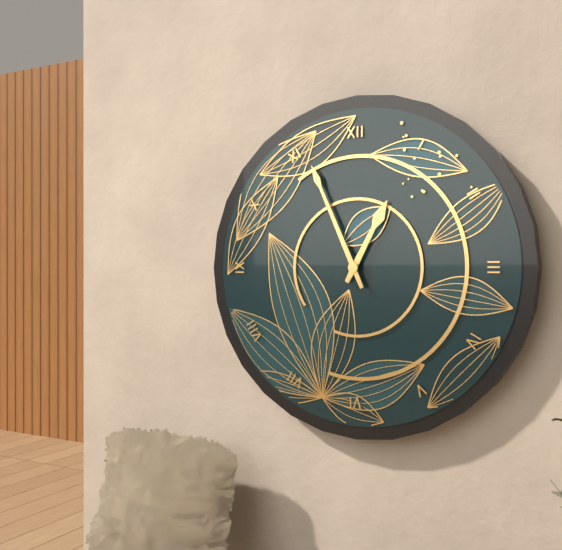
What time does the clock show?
12:56
